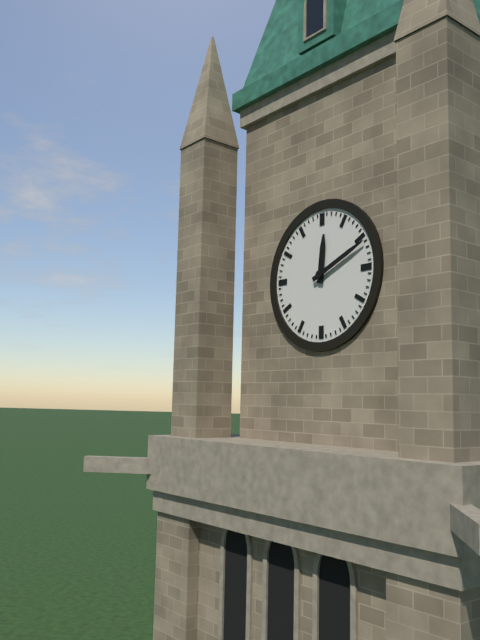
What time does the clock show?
12:11
